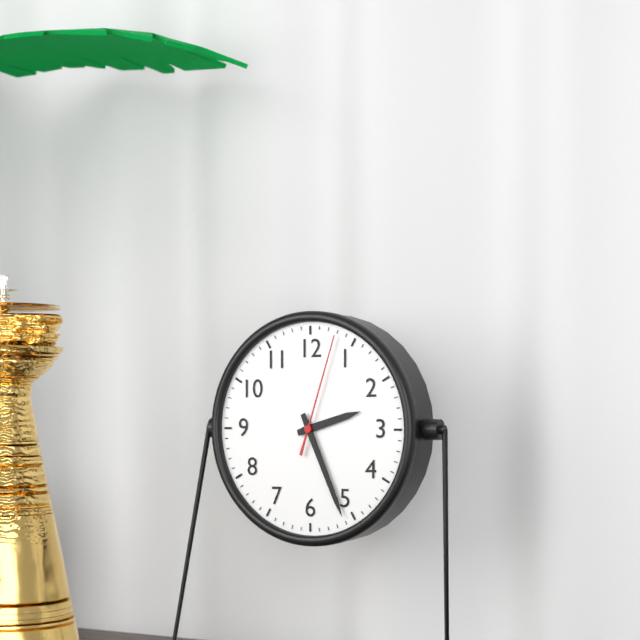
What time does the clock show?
2:26:03
